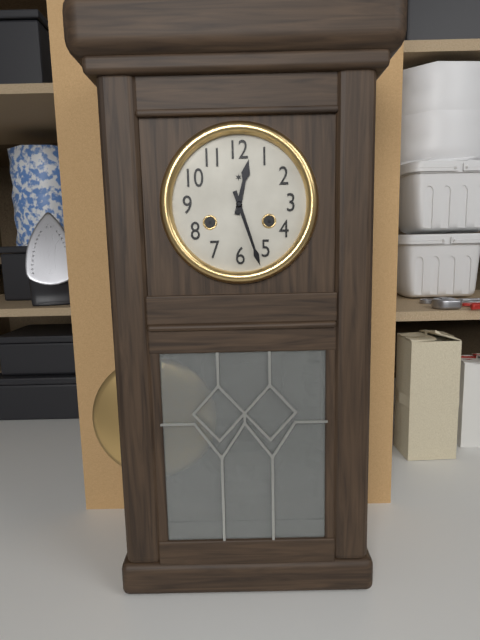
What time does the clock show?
12:27
